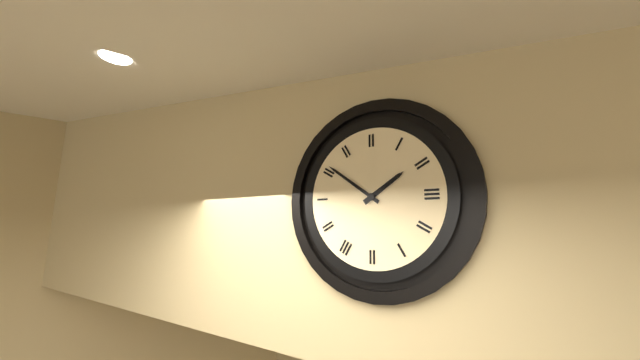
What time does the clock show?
1:51
